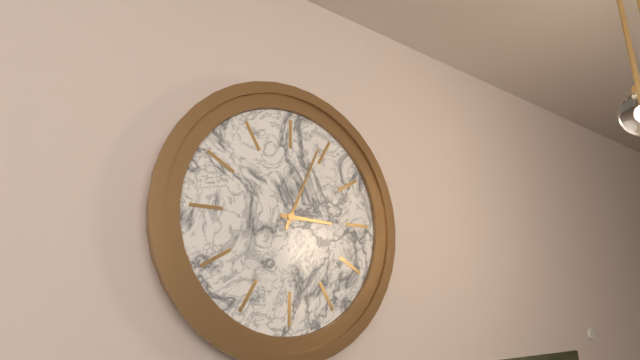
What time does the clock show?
3:04
